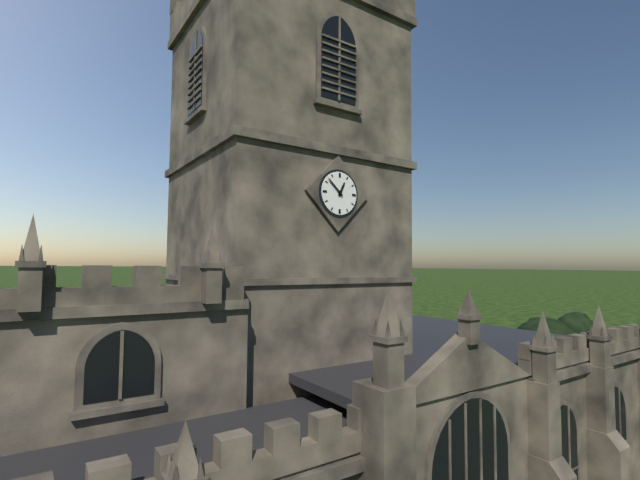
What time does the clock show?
12:52
